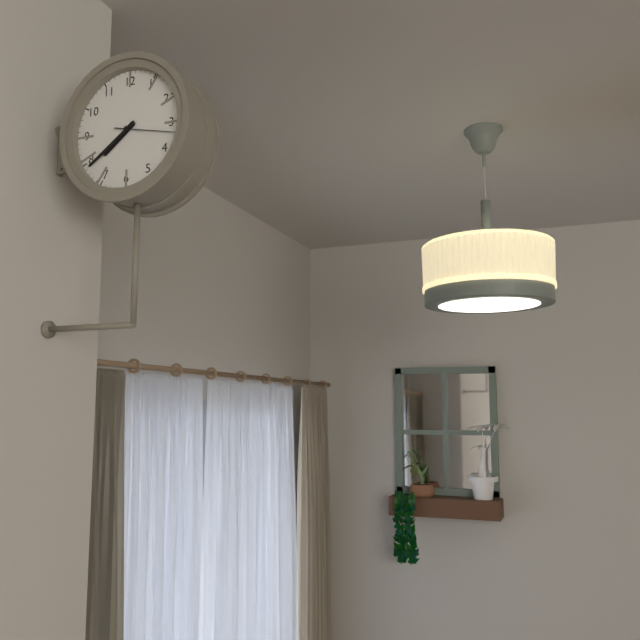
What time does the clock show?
7:39:17
